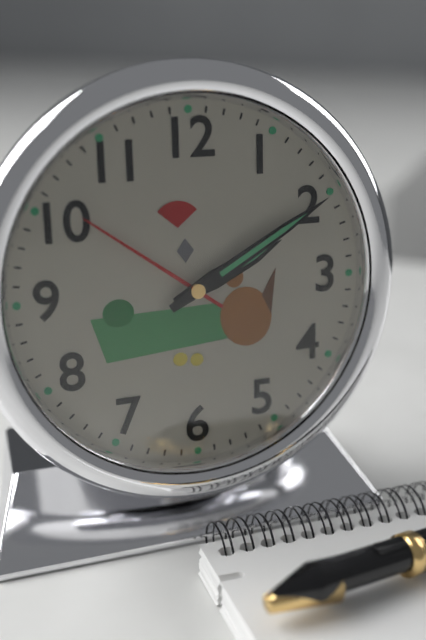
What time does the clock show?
2:10
